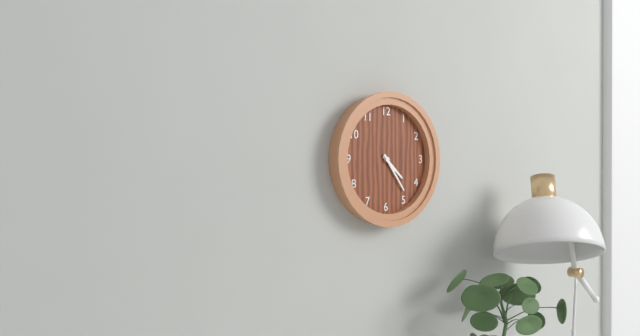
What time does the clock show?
4:24
